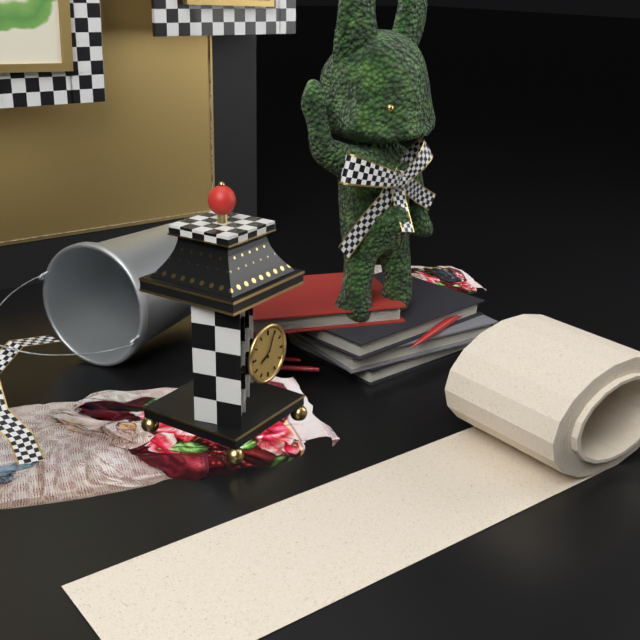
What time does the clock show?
8:04
